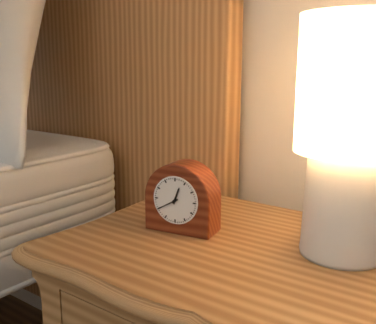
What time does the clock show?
12:40
